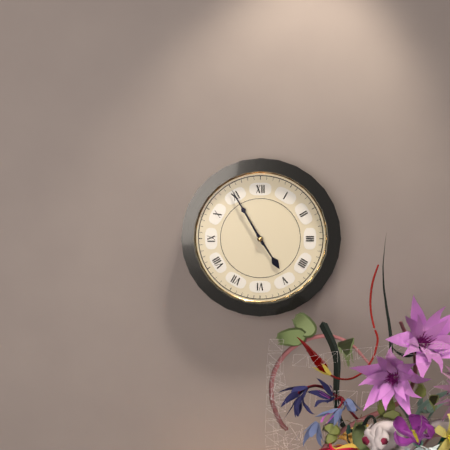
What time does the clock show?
4:55
